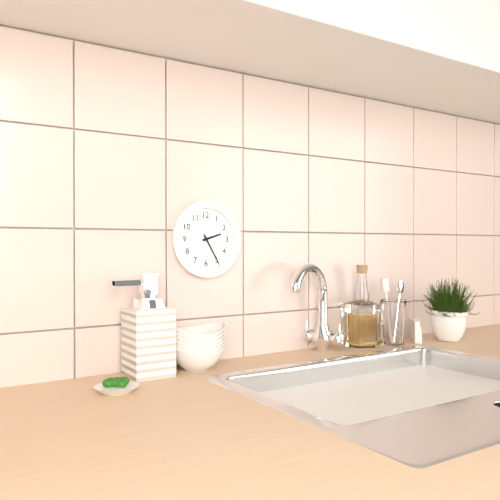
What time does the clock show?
2:25
